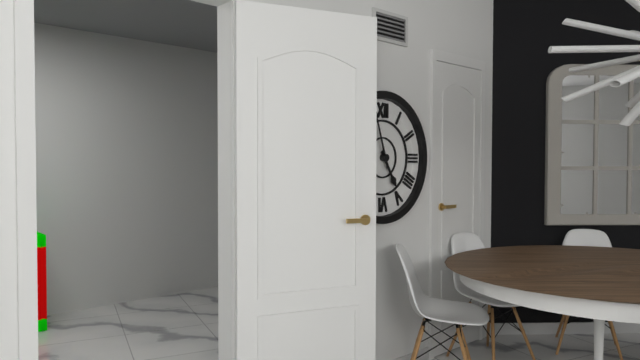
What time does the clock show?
4:57
